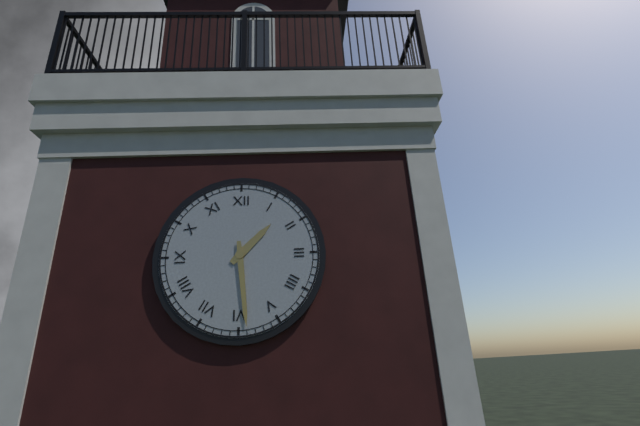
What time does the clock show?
1:29
